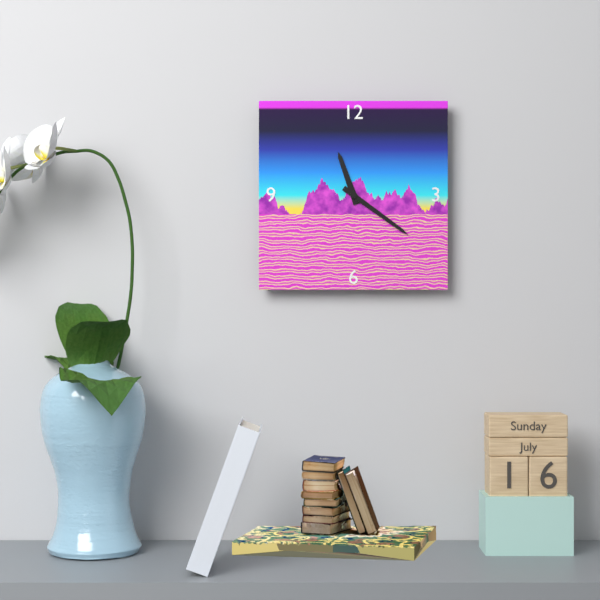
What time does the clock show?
11:21
